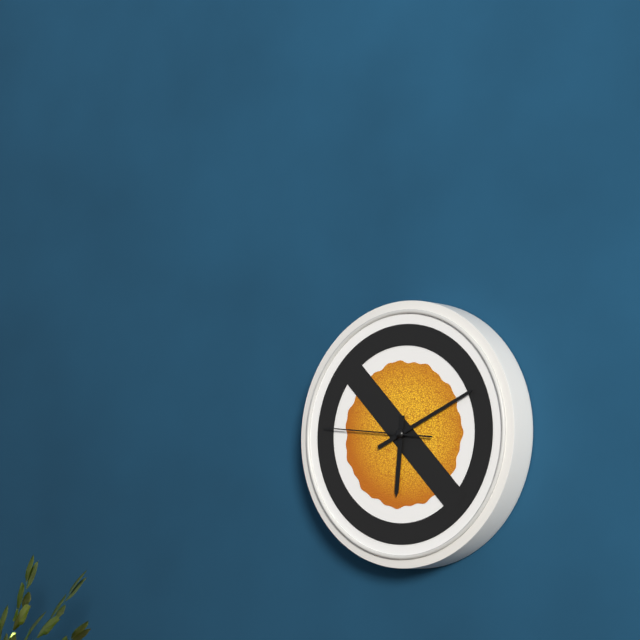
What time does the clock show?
6:11:46
